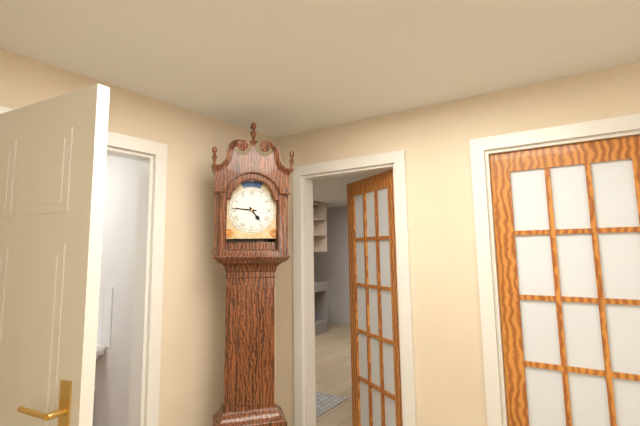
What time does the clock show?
4:46
